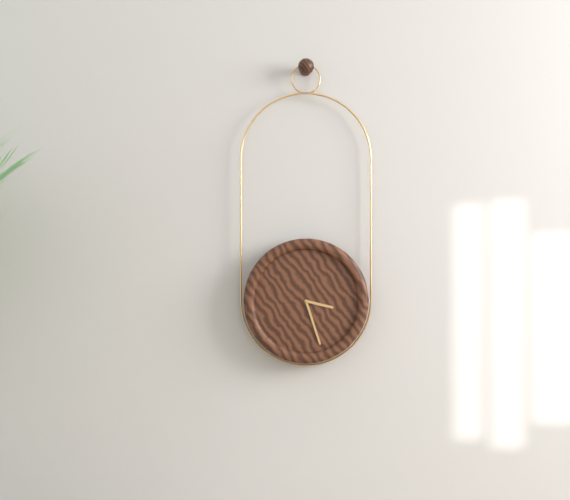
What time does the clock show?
3:27
